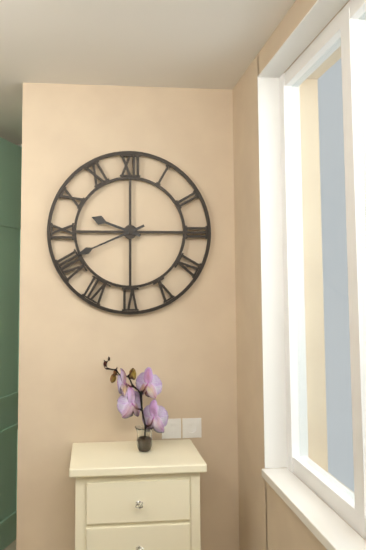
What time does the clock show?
9:41
